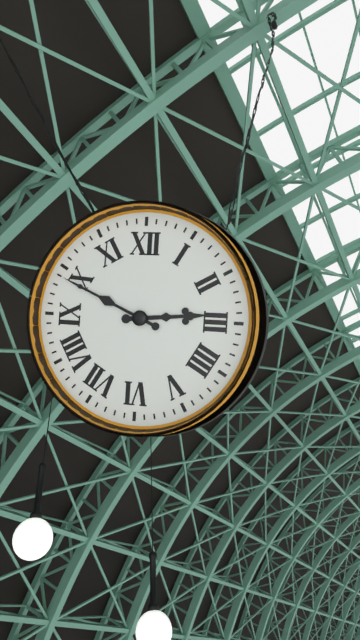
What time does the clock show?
2:49
